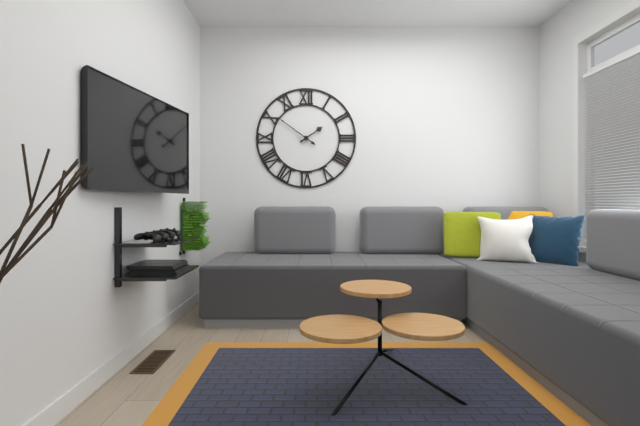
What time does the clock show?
1:51
